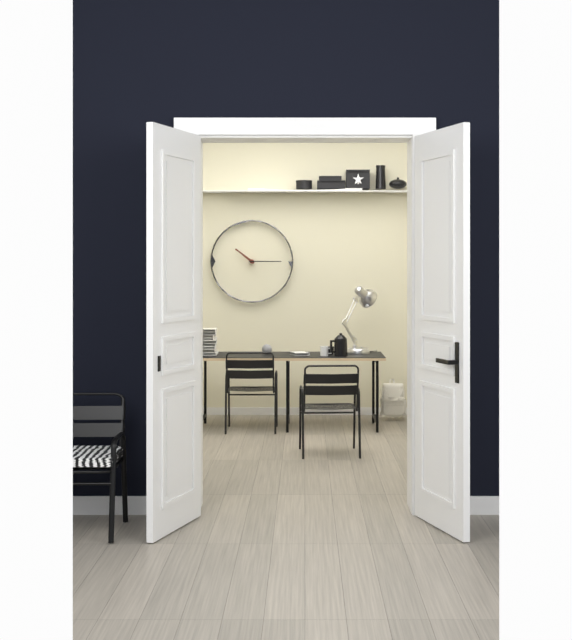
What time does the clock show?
10:15
